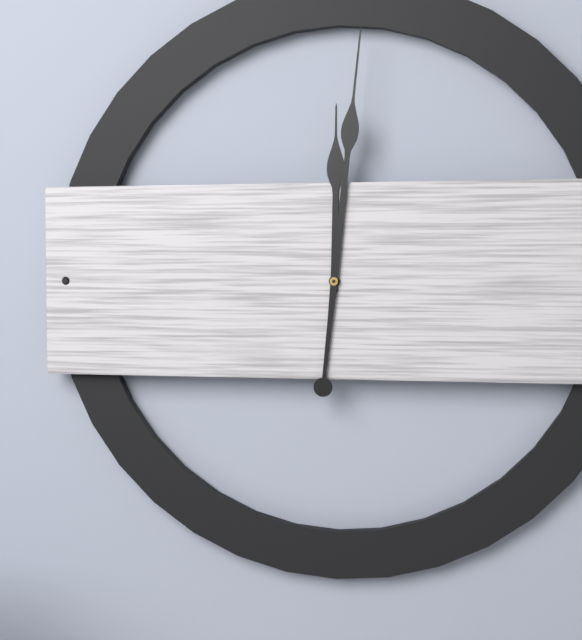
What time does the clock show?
12:01
